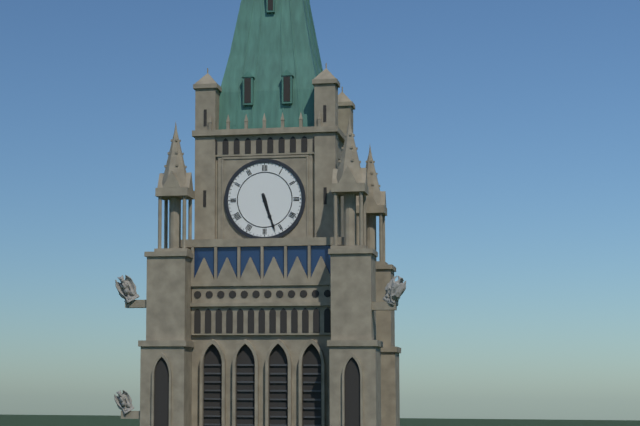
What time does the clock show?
5:27
